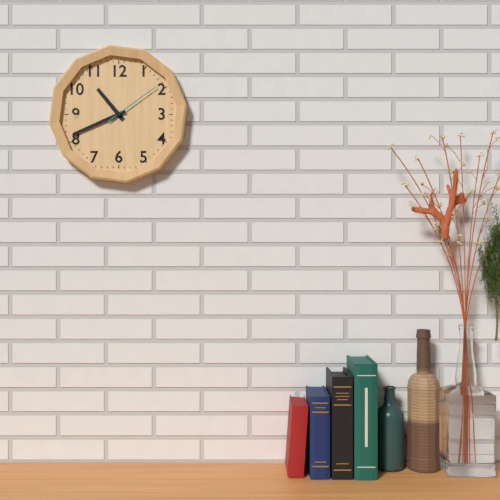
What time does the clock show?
10:41:09
